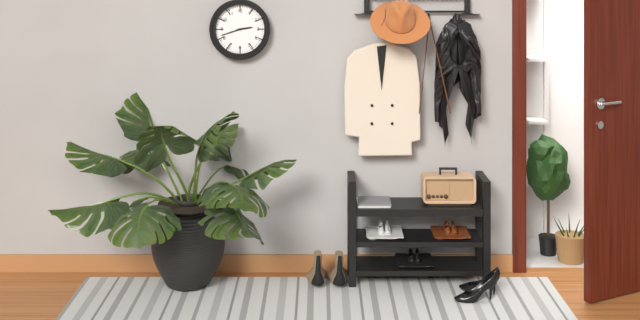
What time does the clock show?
2:42
